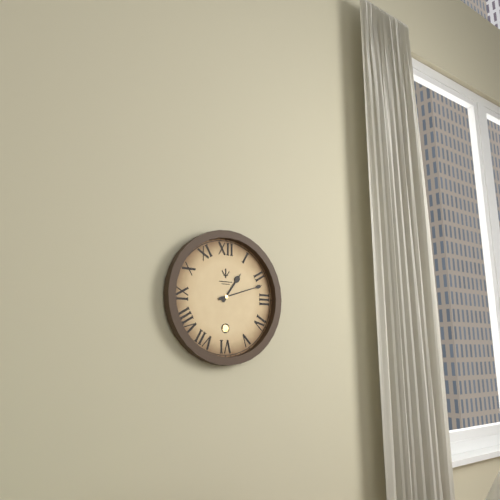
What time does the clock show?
1:12
